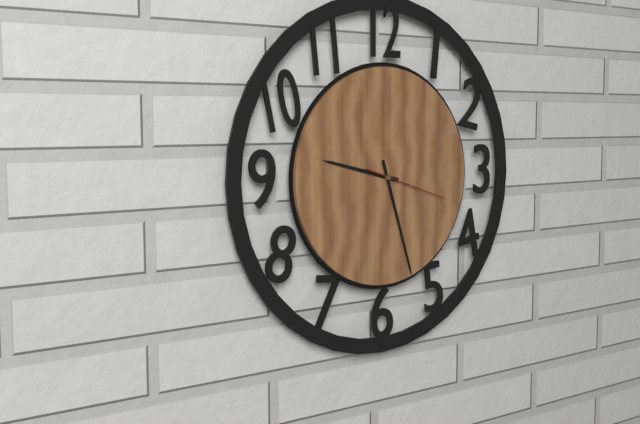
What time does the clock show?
9:27:18
